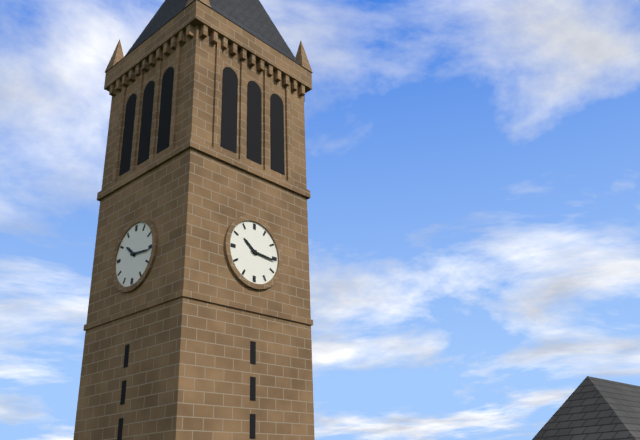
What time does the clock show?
10:16
